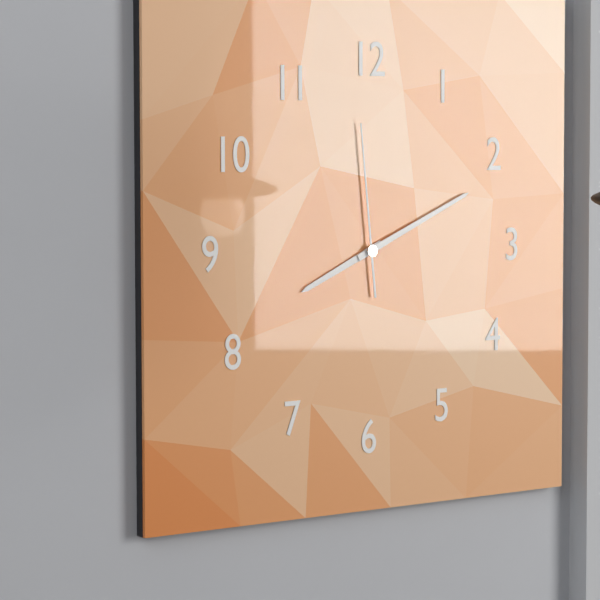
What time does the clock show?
8:11:59
